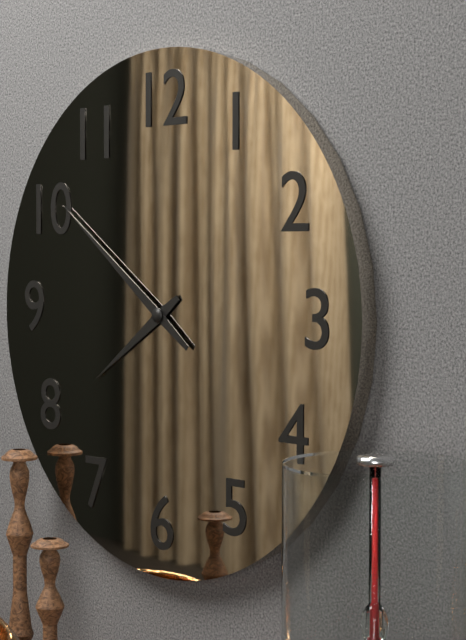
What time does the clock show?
7:51
